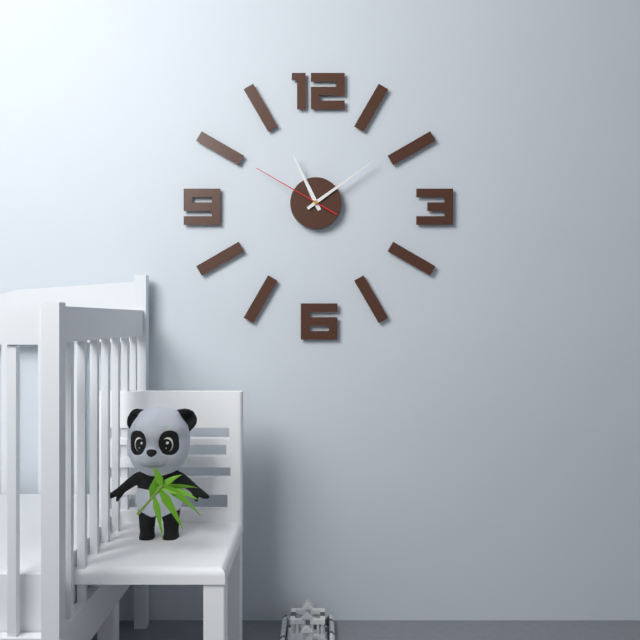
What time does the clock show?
11:09:50
